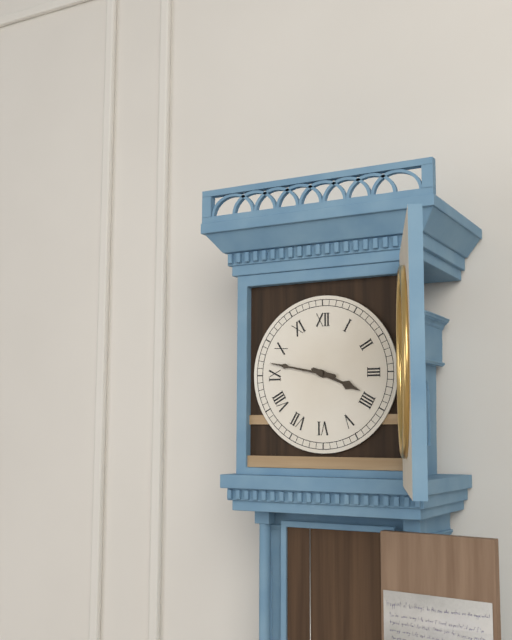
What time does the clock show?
3:47
